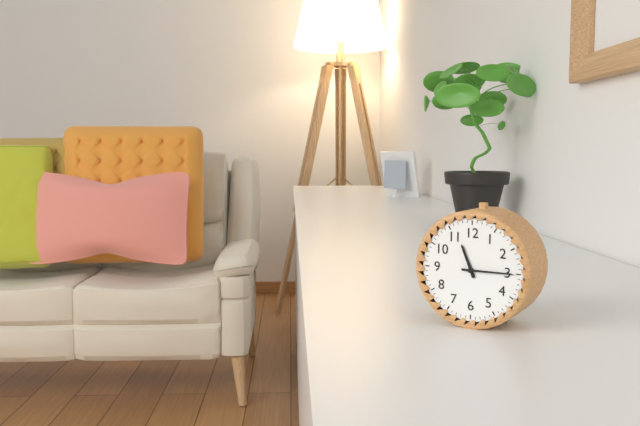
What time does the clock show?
11:15
